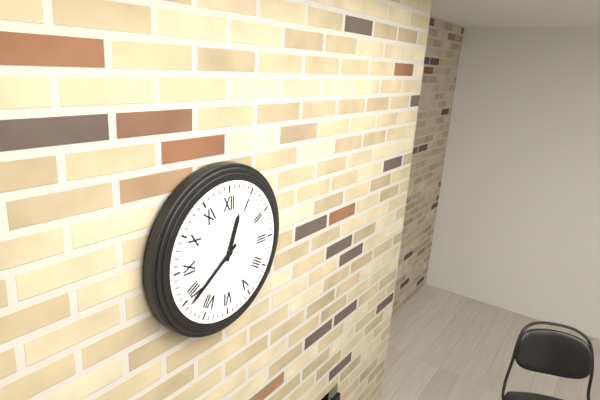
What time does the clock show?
12:39
